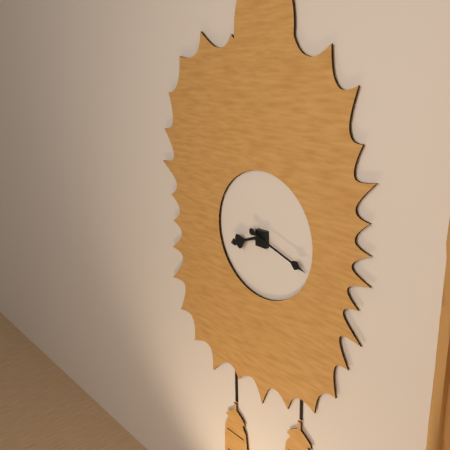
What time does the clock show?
8:18
